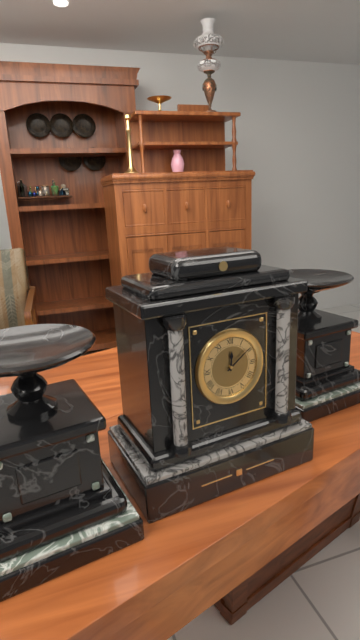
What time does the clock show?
12:09
